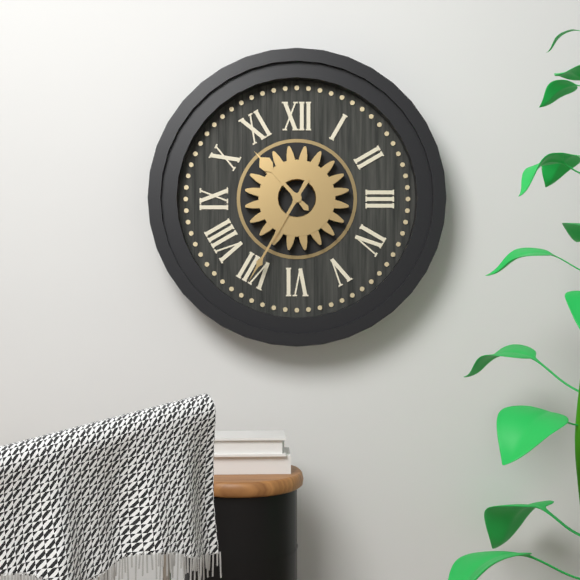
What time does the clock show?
10:35
